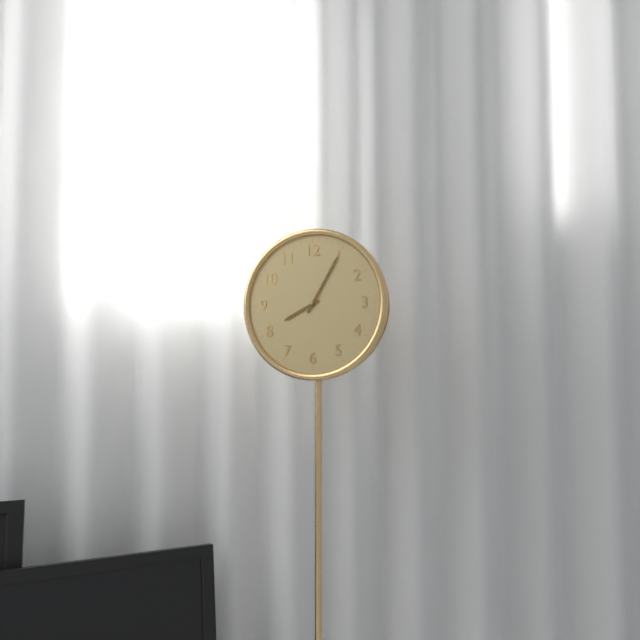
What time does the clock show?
8:05
